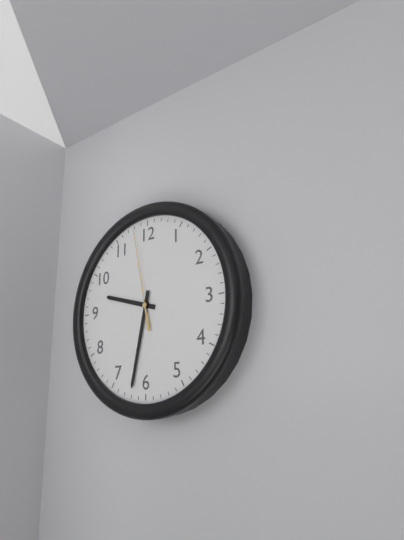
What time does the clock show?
9:32:58
